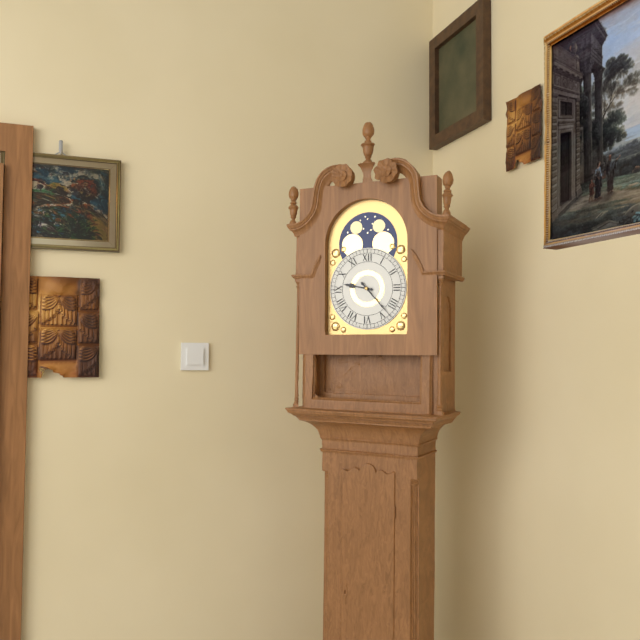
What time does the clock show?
9:23
